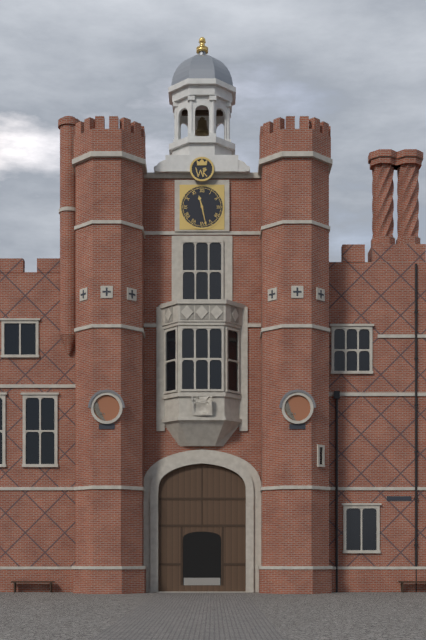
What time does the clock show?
11:28
